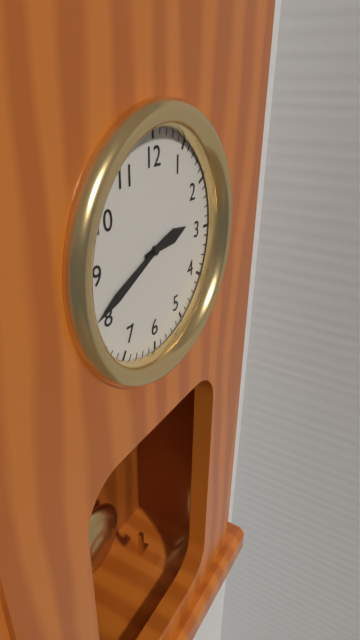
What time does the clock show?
2:41
